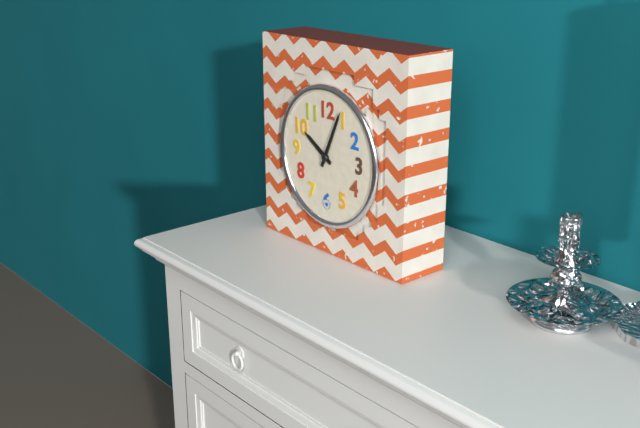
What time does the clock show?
10:04
